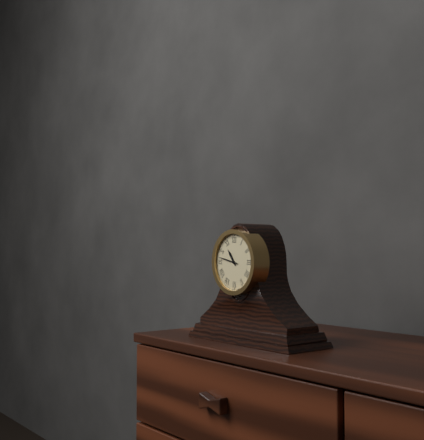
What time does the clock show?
10:47
